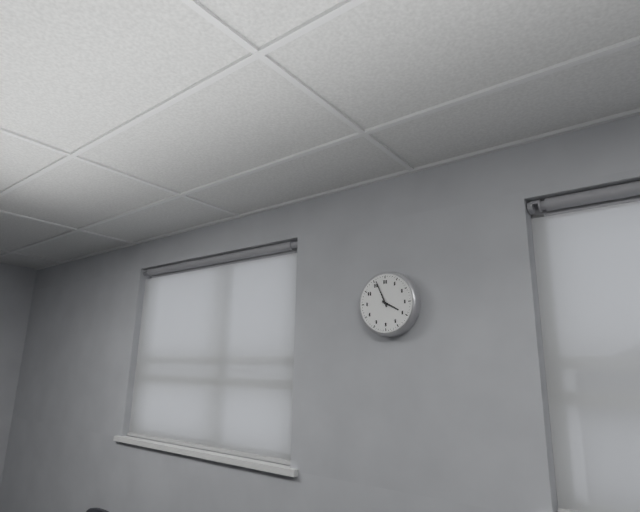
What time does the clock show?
3:56
